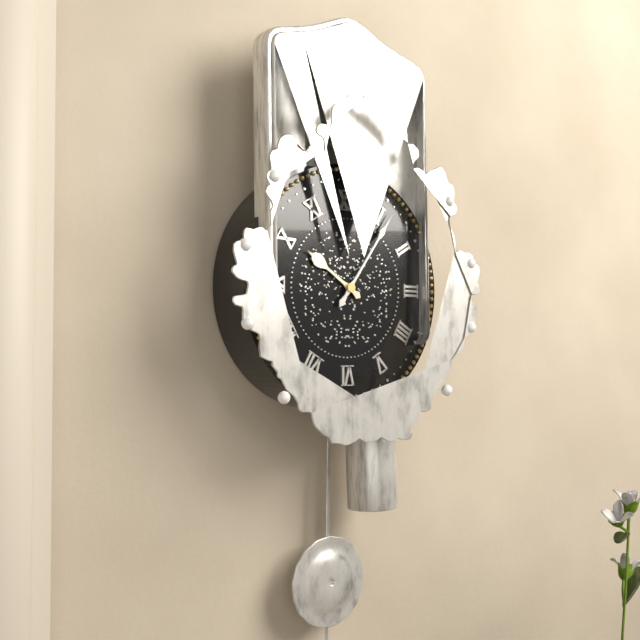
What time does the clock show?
10:06
